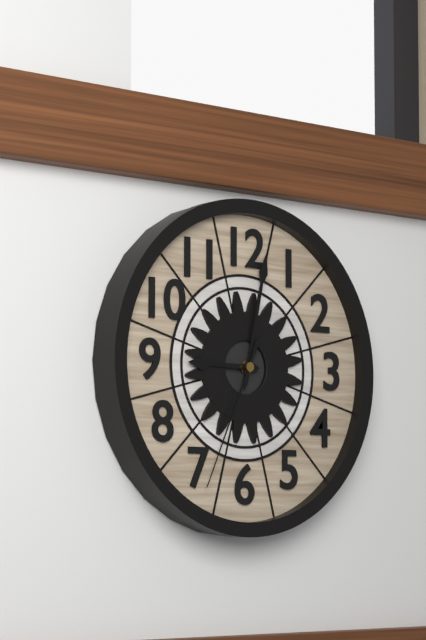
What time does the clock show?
9:02:34
